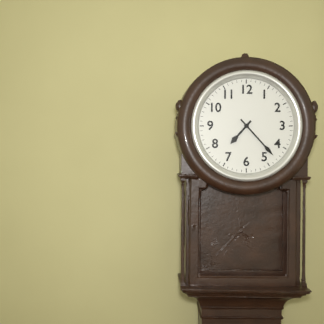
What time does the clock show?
7:23
